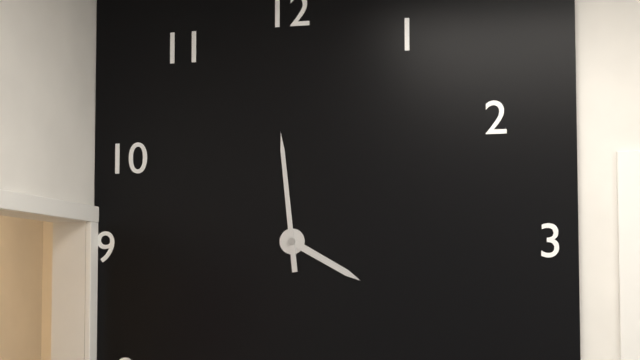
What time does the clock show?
3:59
